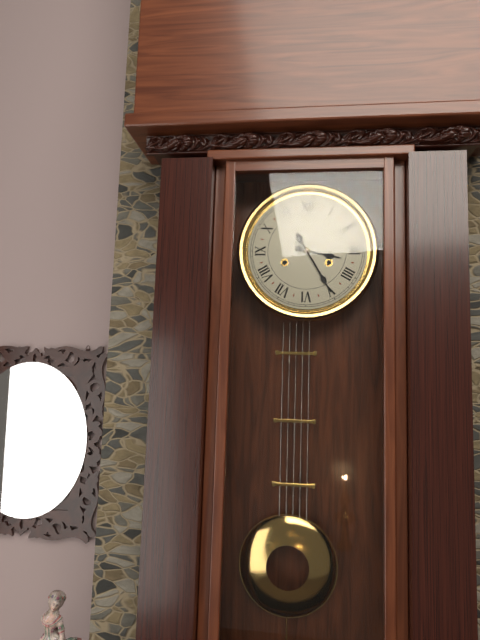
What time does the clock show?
3:25
